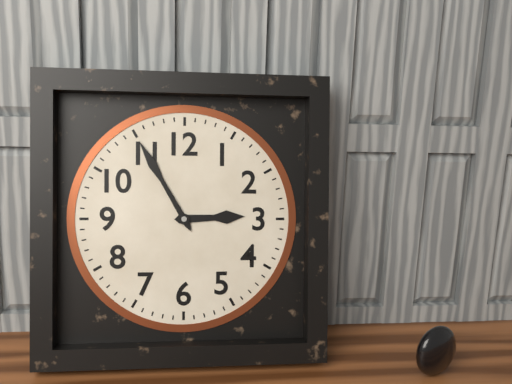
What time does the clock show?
2:55
